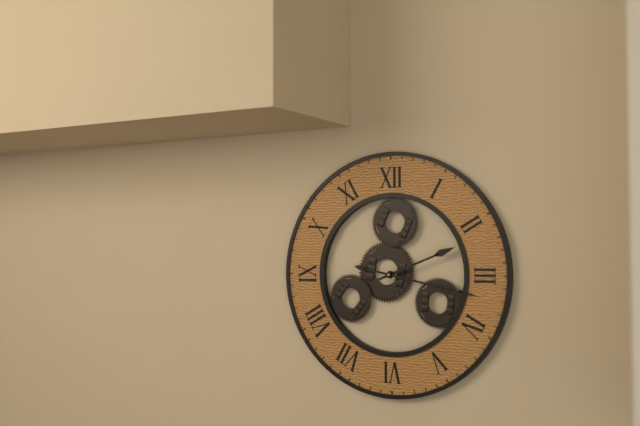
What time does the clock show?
2:17
